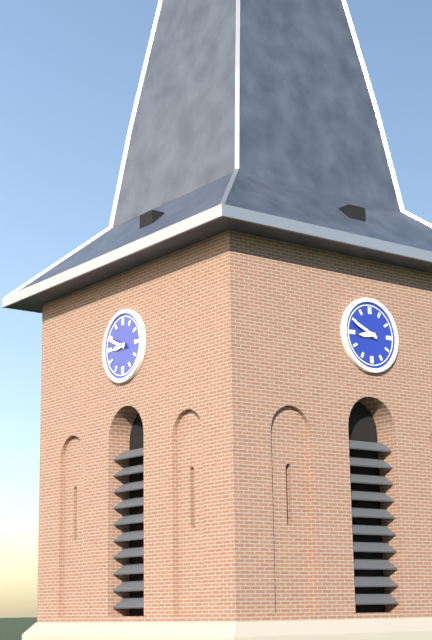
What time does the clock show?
8:49
